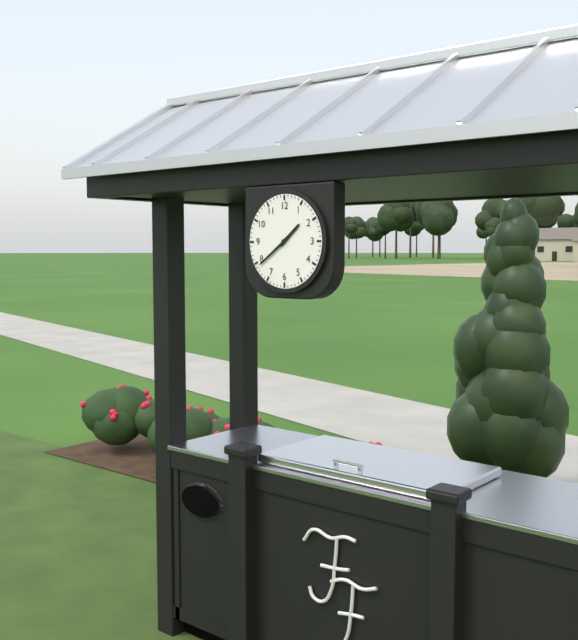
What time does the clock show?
1:39
